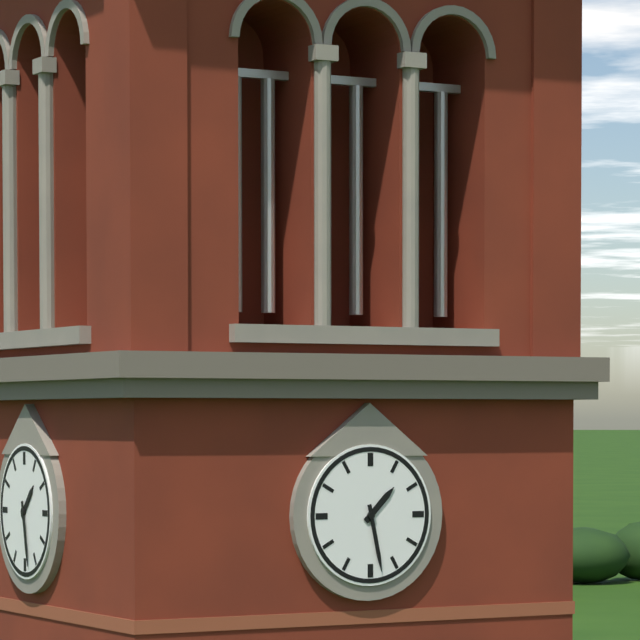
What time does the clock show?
1:28
